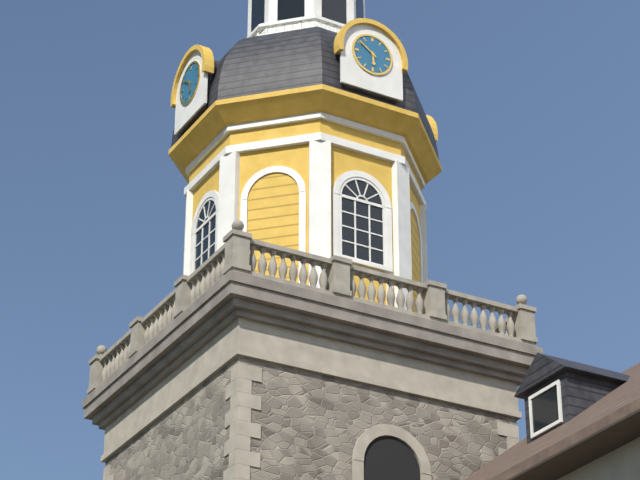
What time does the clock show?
5:51
